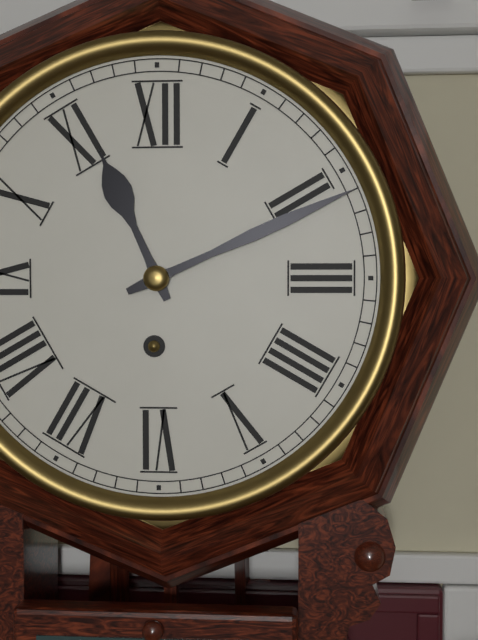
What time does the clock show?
11:11
